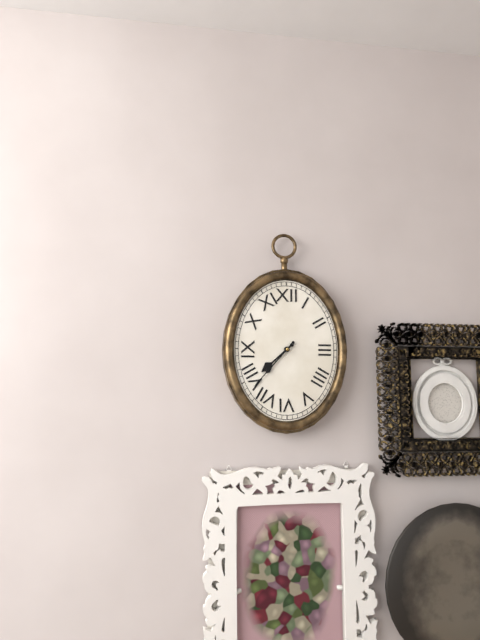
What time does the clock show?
7:37
